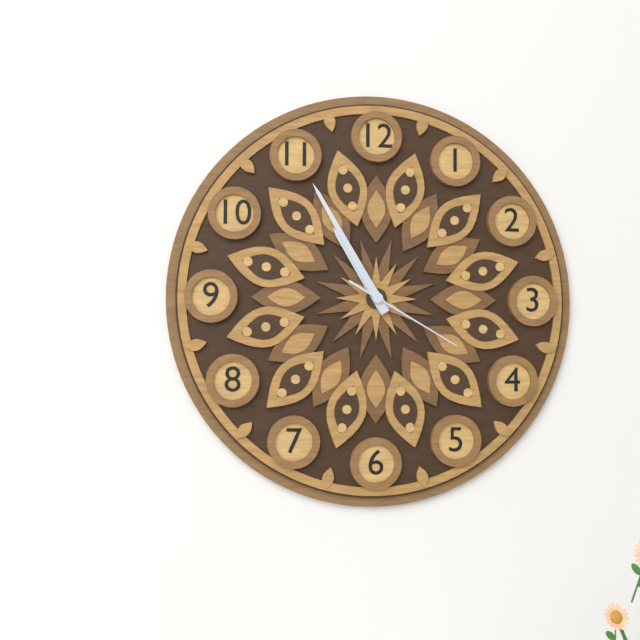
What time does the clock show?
10:55:20
